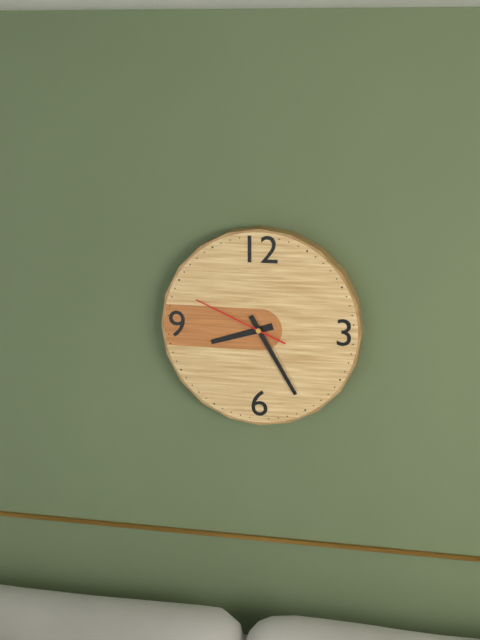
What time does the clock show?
8:25:49
